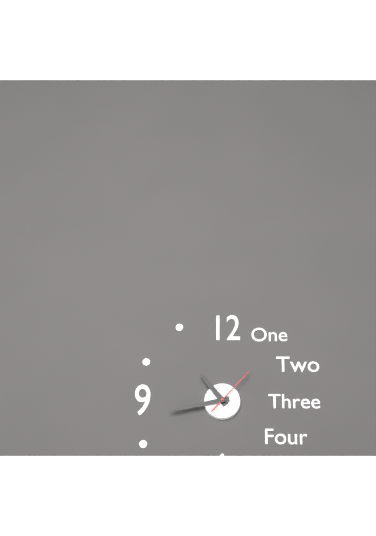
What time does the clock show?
10:43:07
